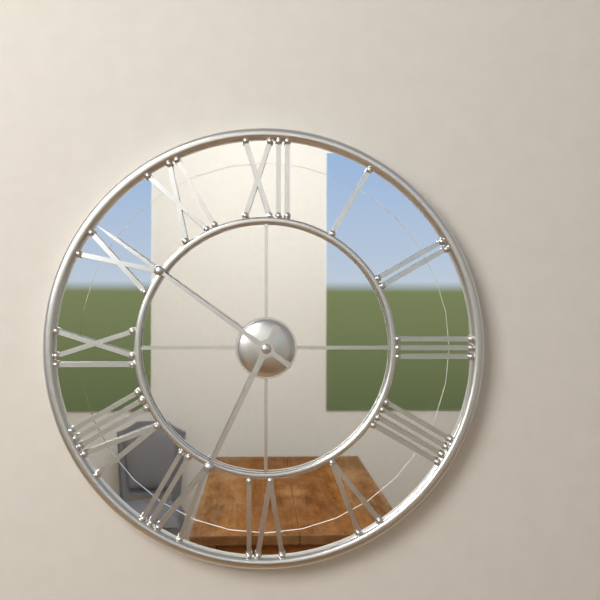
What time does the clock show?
6:51
